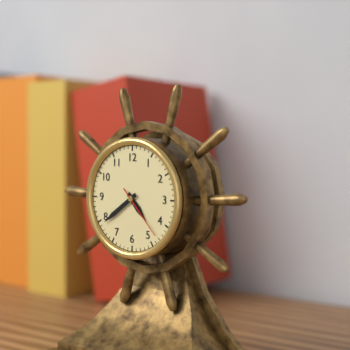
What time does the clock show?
4:39:23
